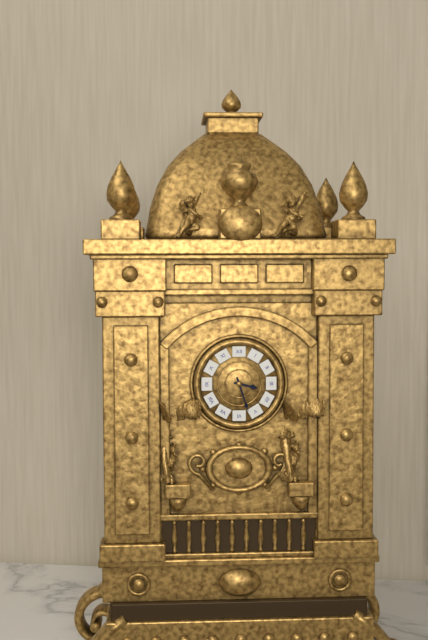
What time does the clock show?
3:27
